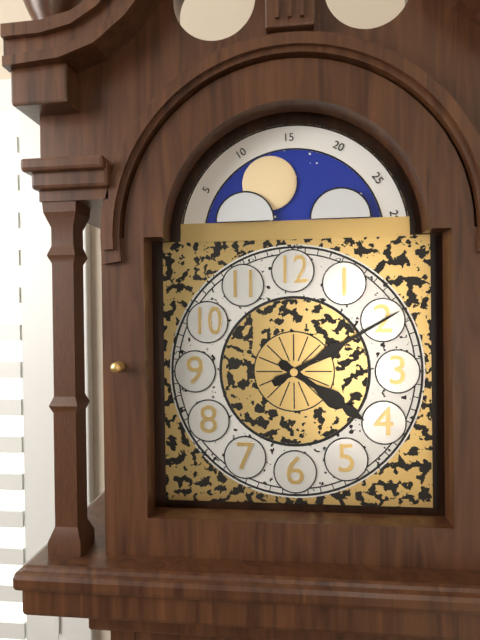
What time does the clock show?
4:10
